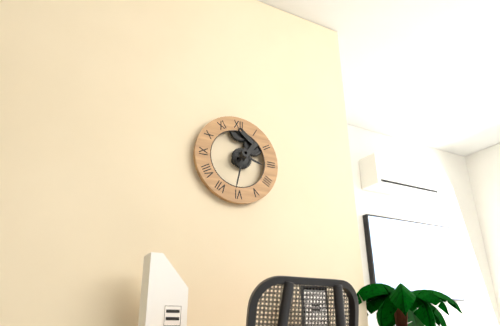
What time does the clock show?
3:32
